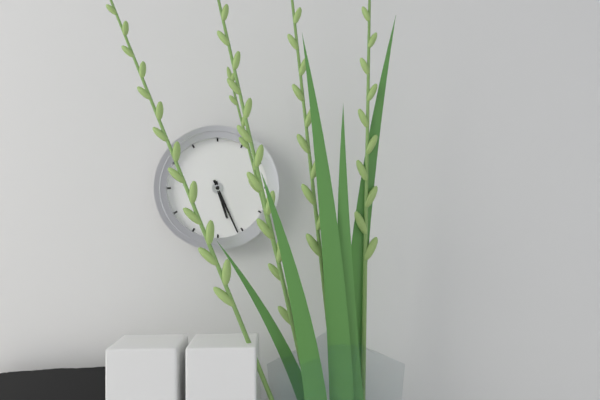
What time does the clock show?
5:26
